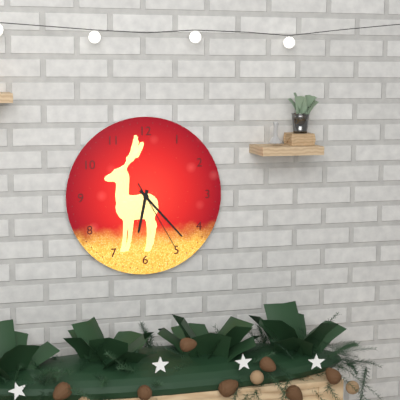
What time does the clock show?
6:23:25
